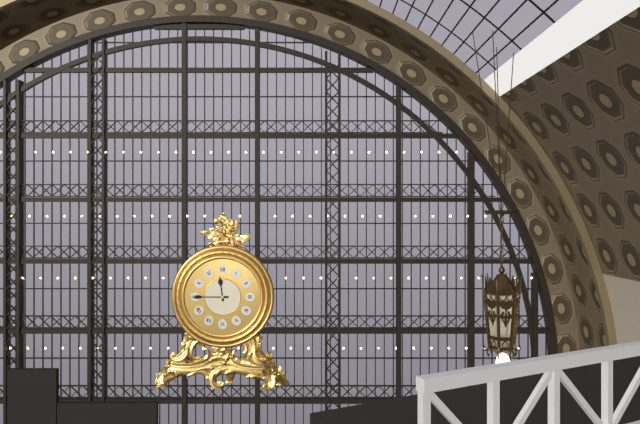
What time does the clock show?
11:45
